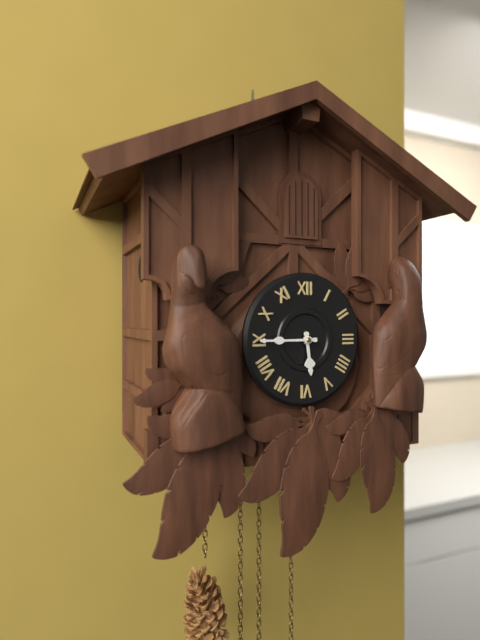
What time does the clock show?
5:45
